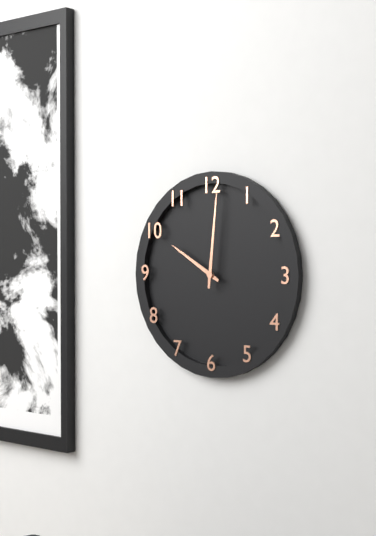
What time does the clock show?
10:01
